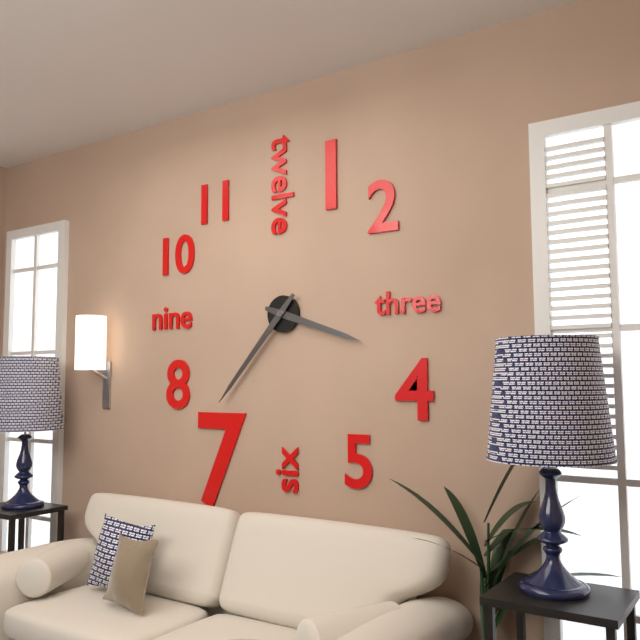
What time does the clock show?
3:37
